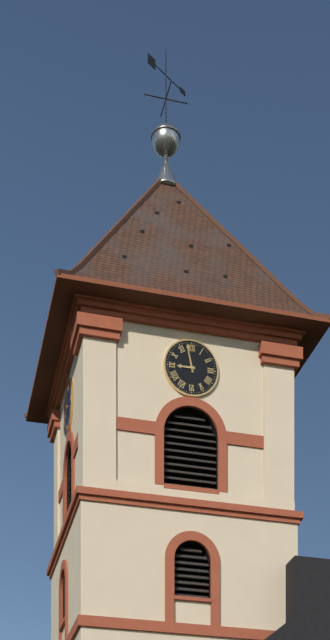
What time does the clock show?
8:58
